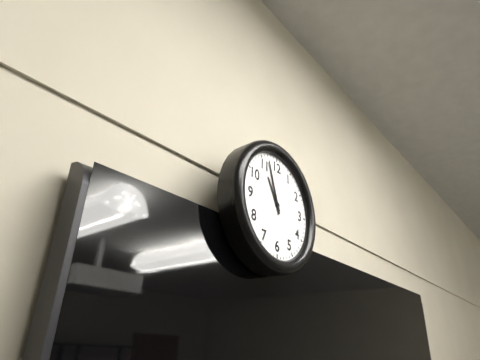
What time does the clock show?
10:57
